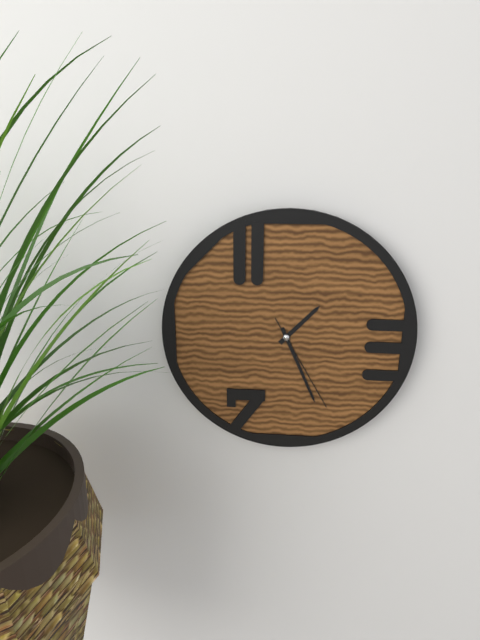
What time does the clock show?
1:26:25
